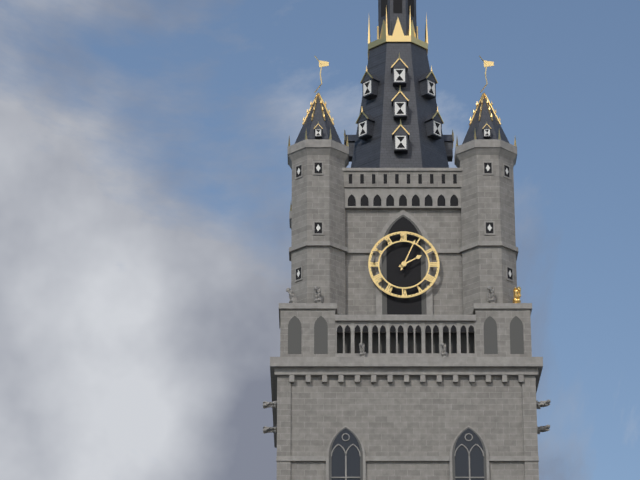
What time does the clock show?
2:04
